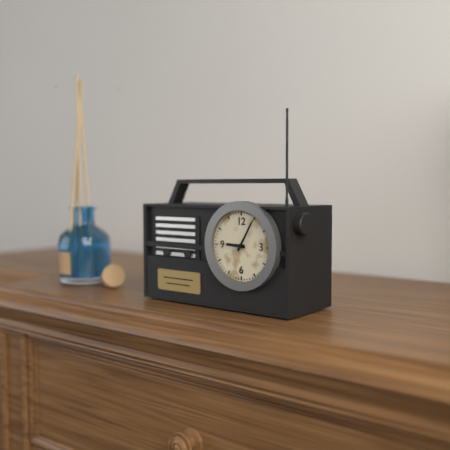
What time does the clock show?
9:05
